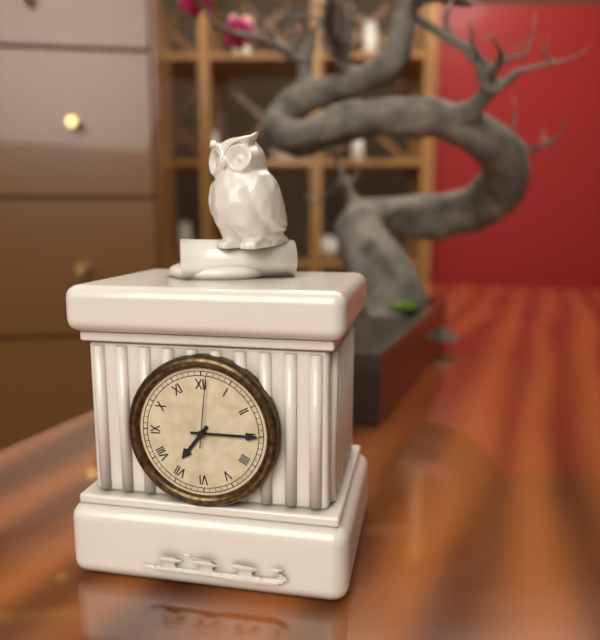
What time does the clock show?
7:15:01
